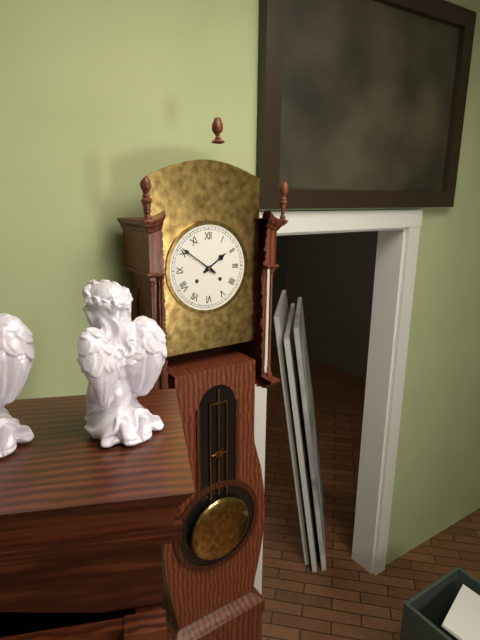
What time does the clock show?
1:51
